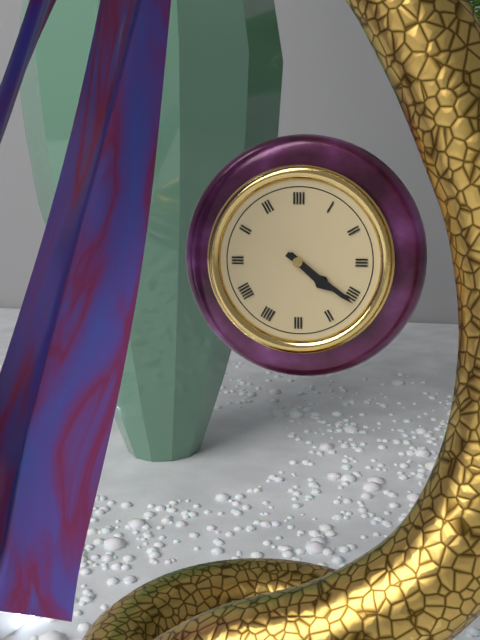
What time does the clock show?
4:21
